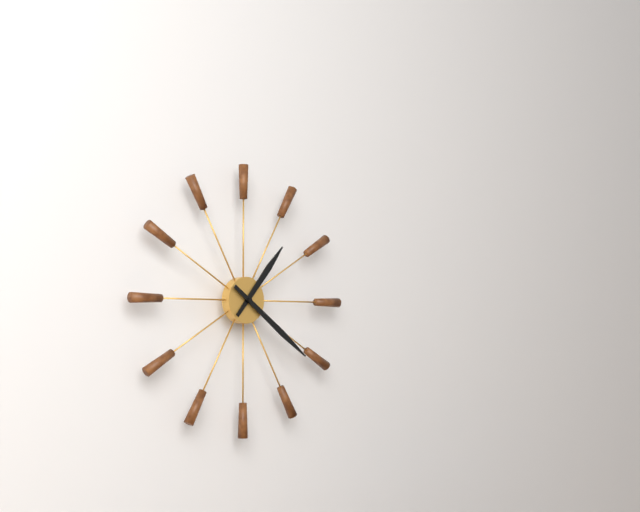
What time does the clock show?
1:21
